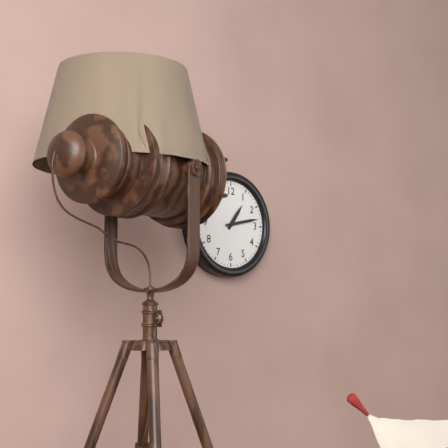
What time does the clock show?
1:13
